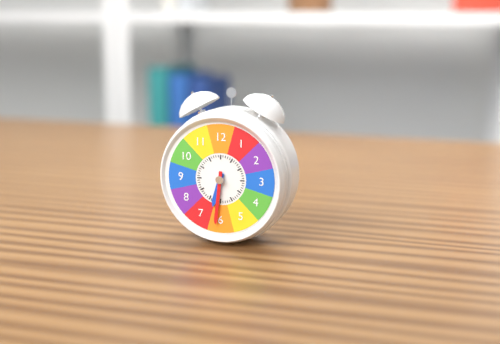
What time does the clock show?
6:31
